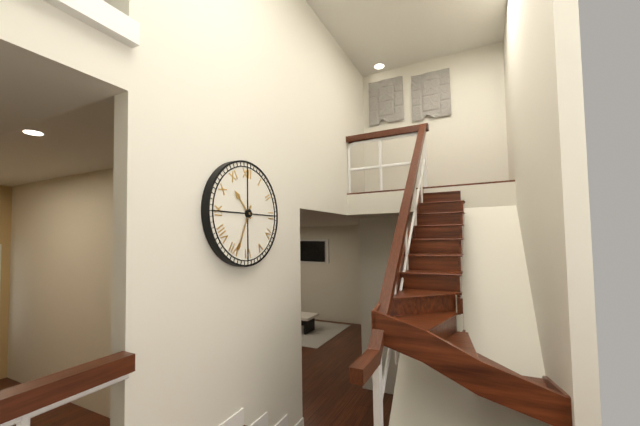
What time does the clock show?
10:34
